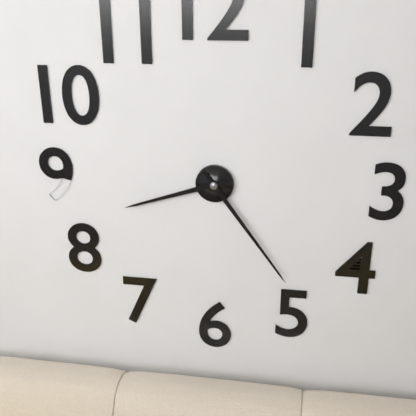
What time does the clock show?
8:24
